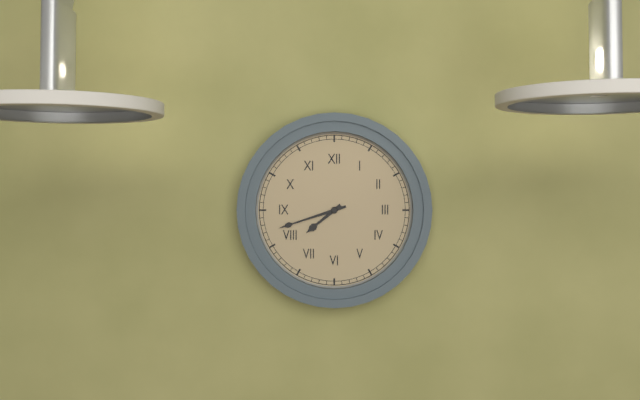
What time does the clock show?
7:42
